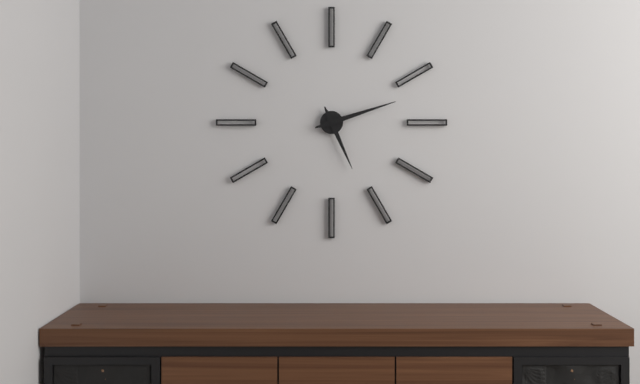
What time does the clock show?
5:12
